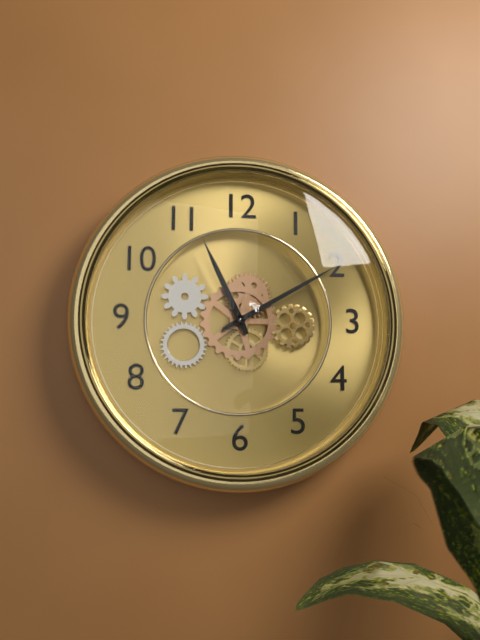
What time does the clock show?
11:10
